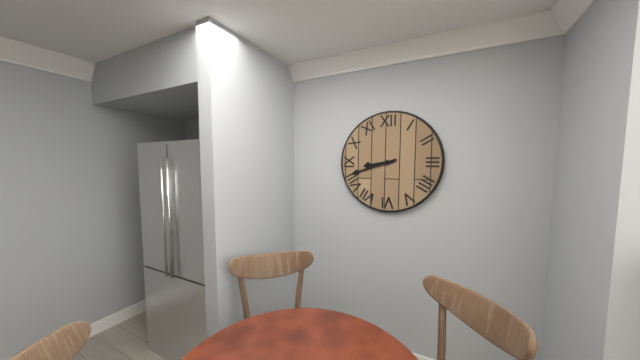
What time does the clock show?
8:42
